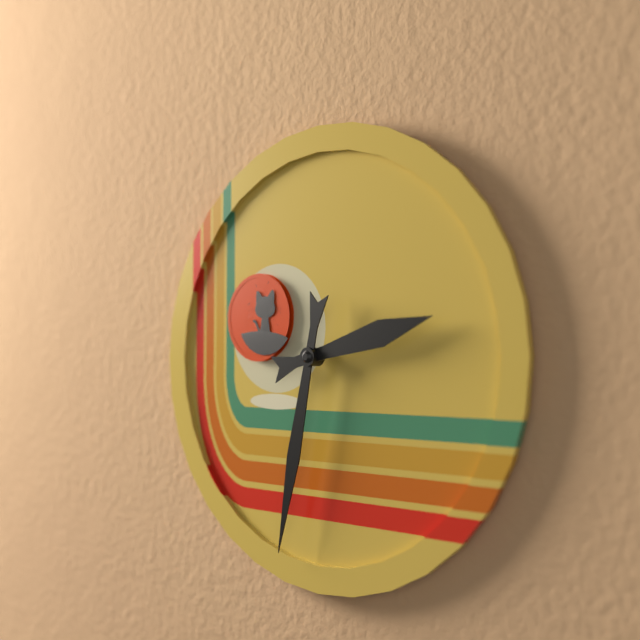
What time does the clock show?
2:32
